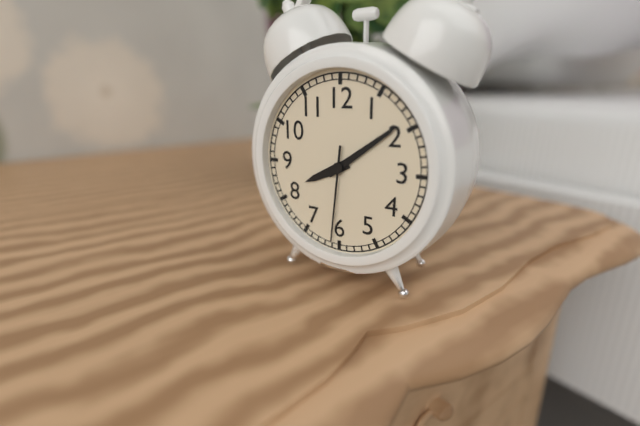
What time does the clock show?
8:09:31
